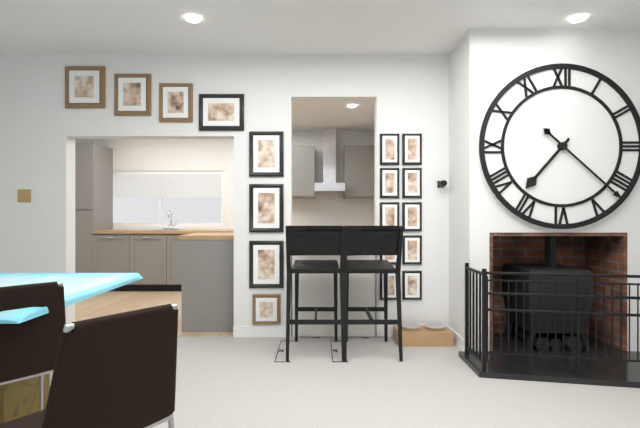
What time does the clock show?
7:22
